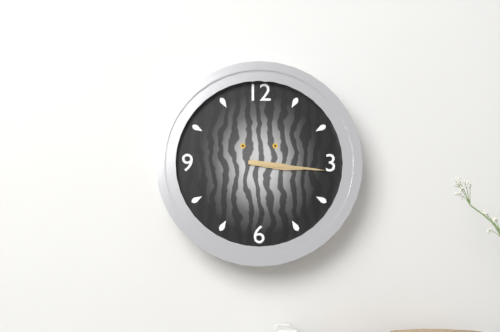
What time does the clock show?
3:16
